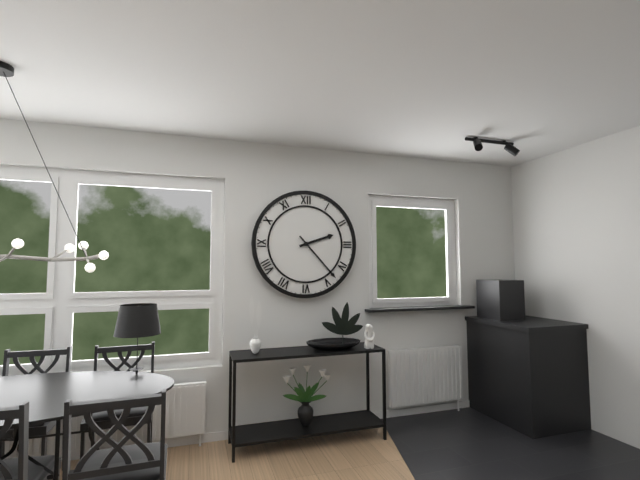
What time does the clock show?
2:23
